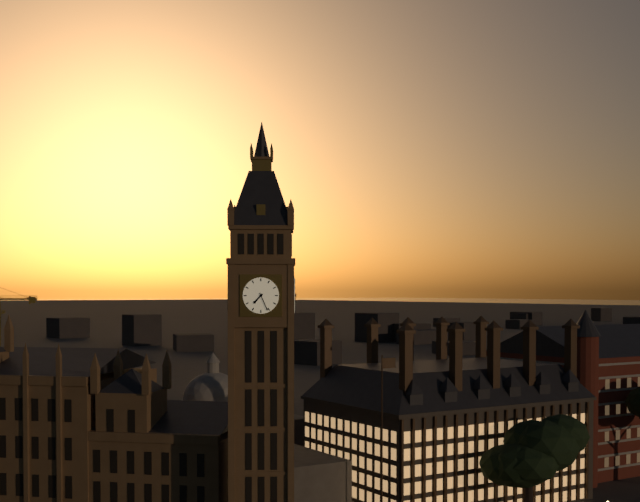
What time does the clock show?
7:26
